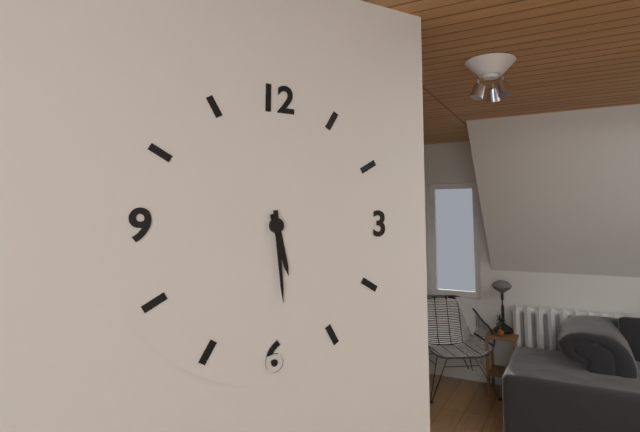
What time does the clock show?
5:29
